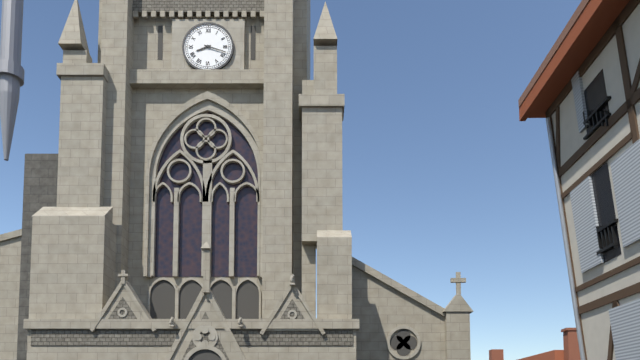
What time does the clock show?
8:18
